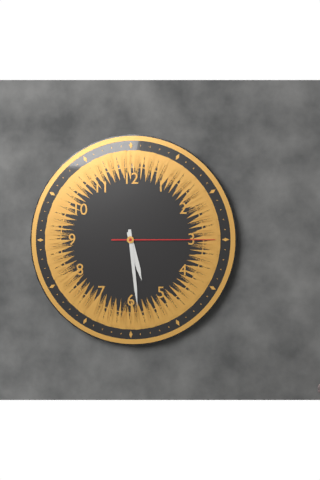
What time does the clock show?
5:29:15
